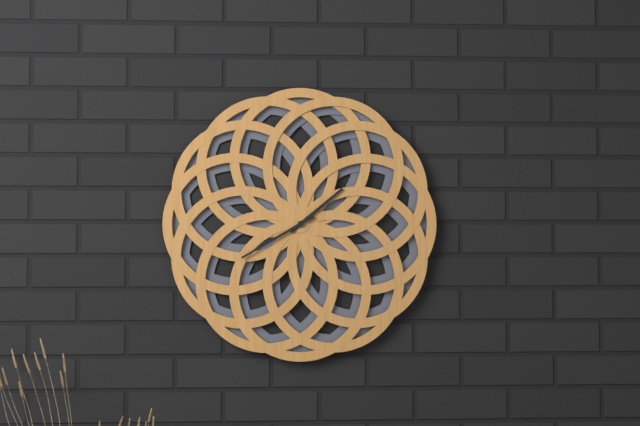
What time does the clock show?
1:40
